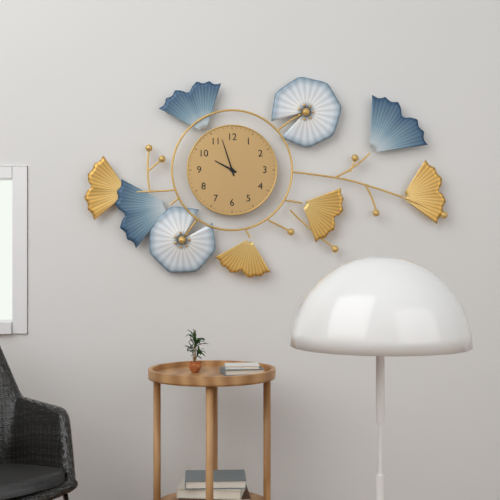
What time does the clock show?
9:57
